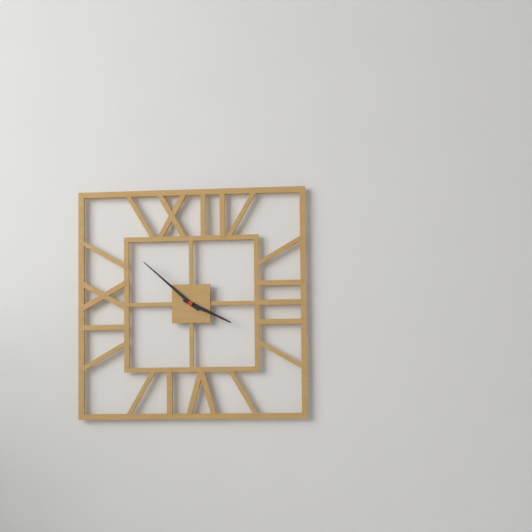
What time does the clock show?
3:52
